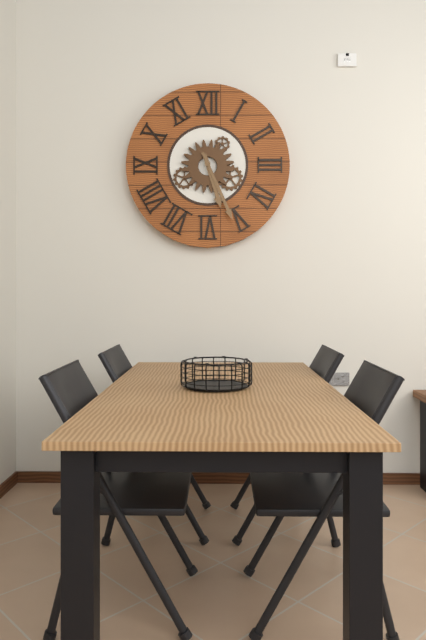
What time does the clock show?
5:26
